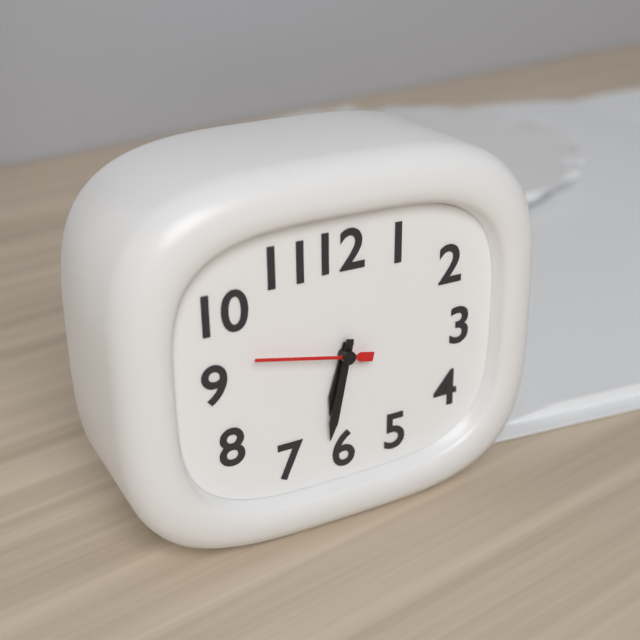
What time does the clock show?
6:32:47
